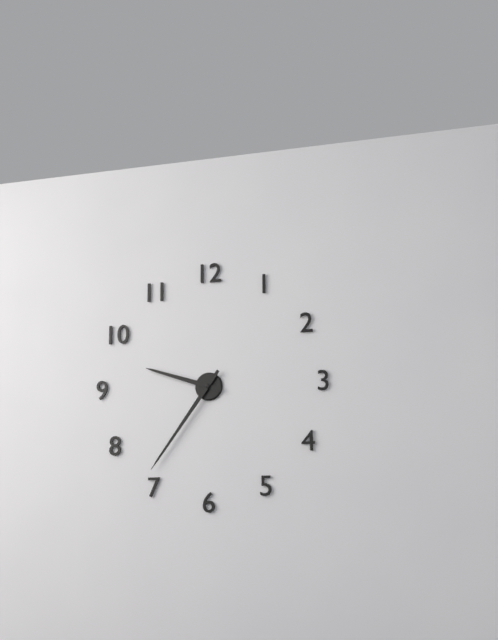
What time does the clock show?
9:36
